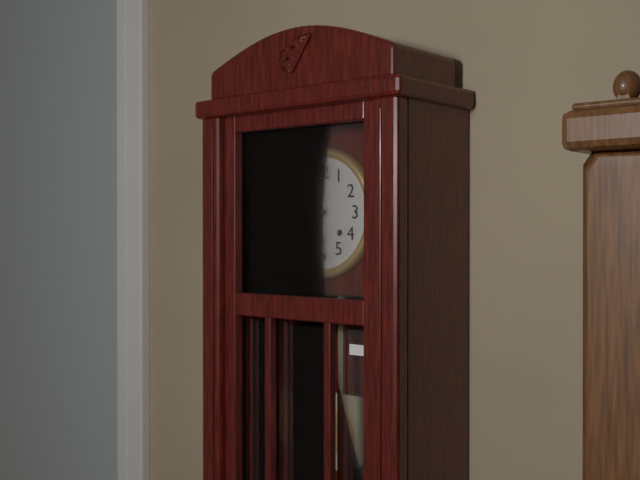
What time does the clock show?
8:30
